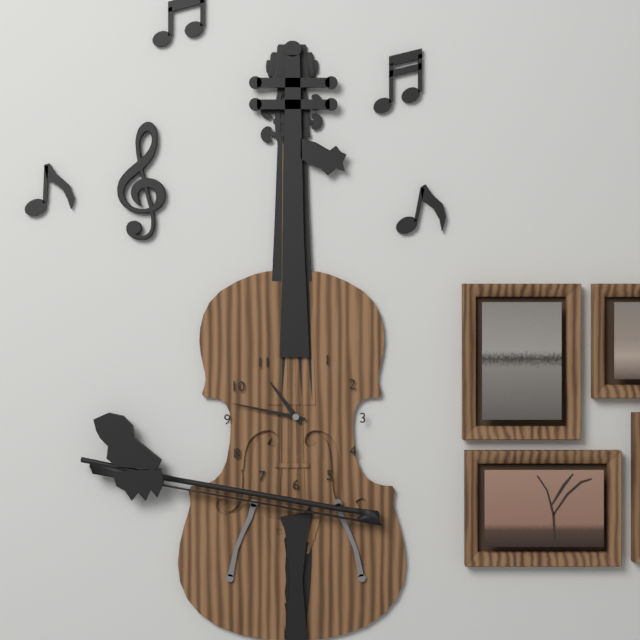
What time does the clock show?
10:47
